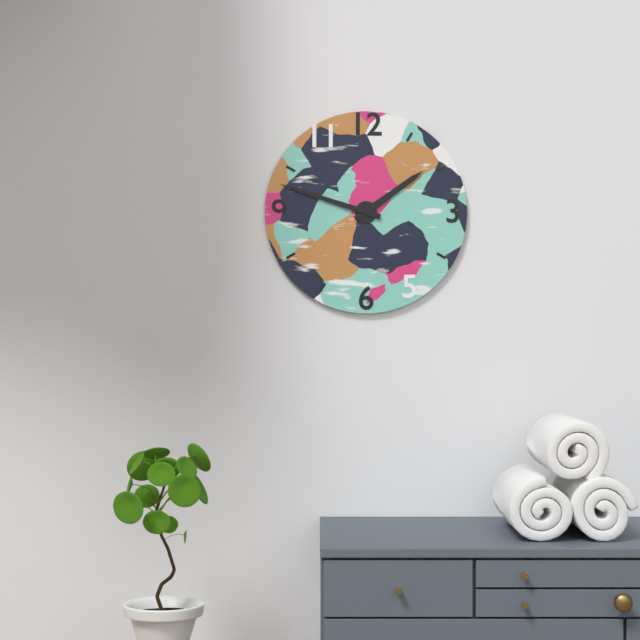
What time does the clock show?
1:48
